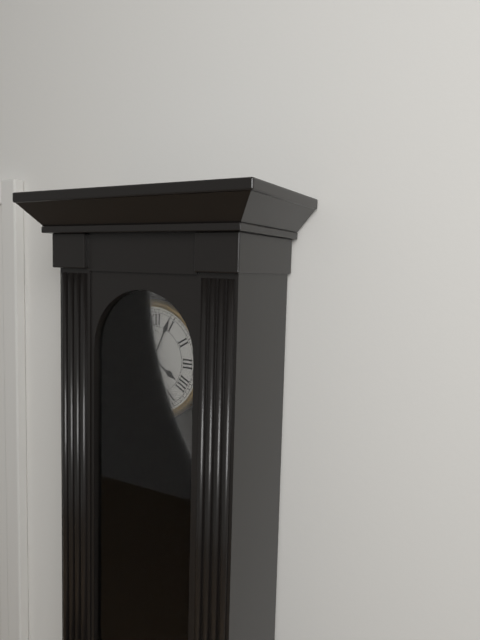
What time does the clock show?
4:04
